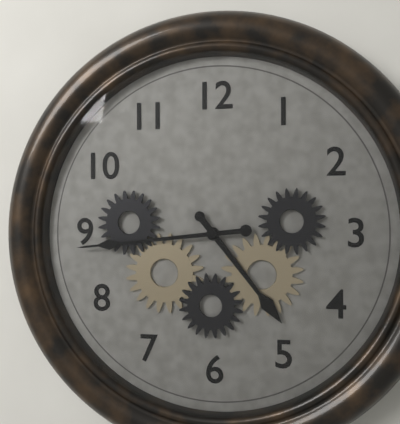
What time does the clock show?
4:44
